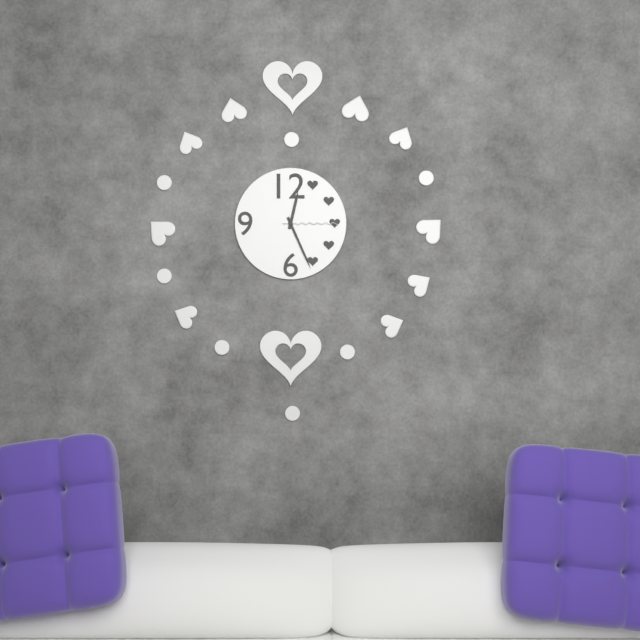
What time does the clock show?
12:26:15
